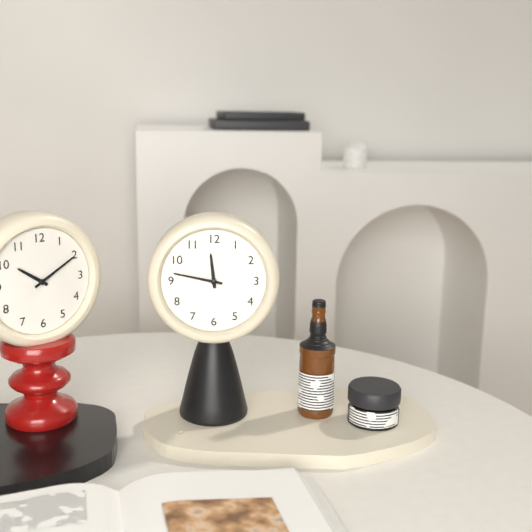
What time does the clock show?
11:47
